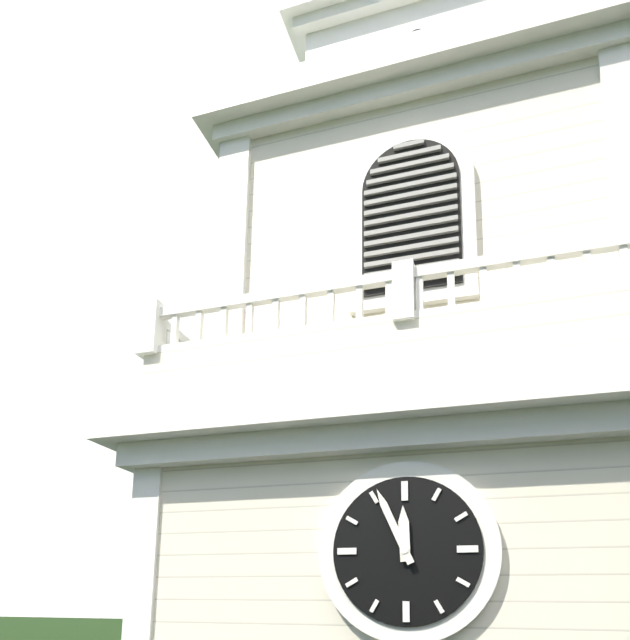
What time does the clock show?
11:56
